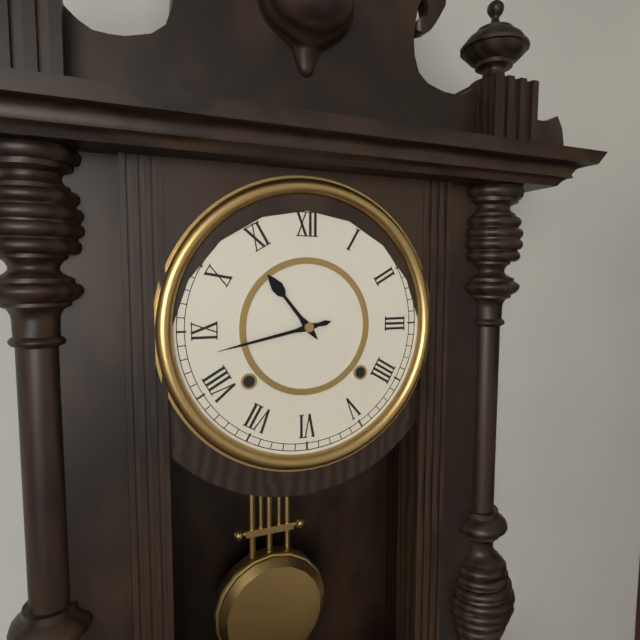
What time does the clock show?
10:43
